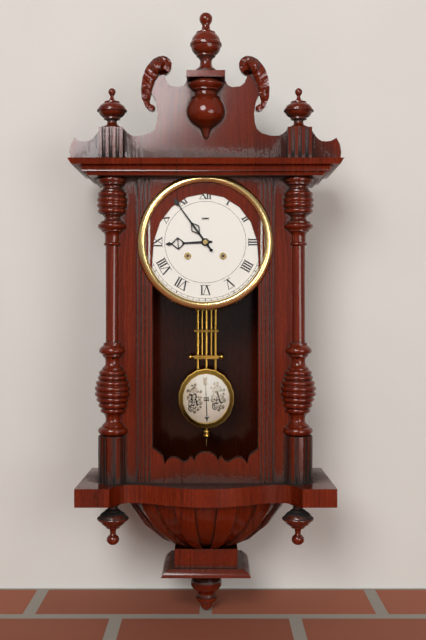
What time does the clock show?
8:54
